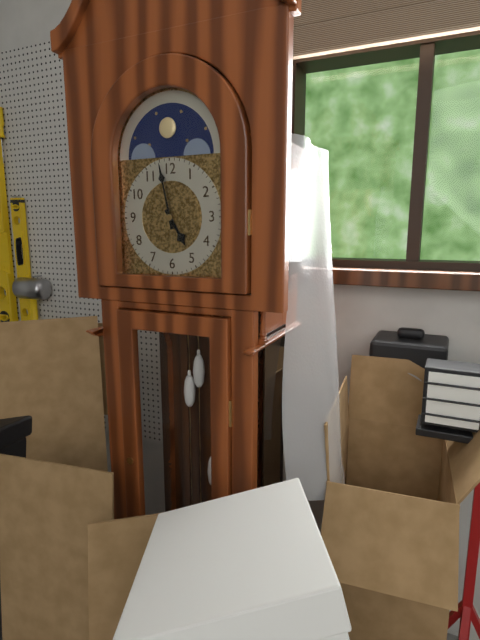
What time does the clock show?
4:58
